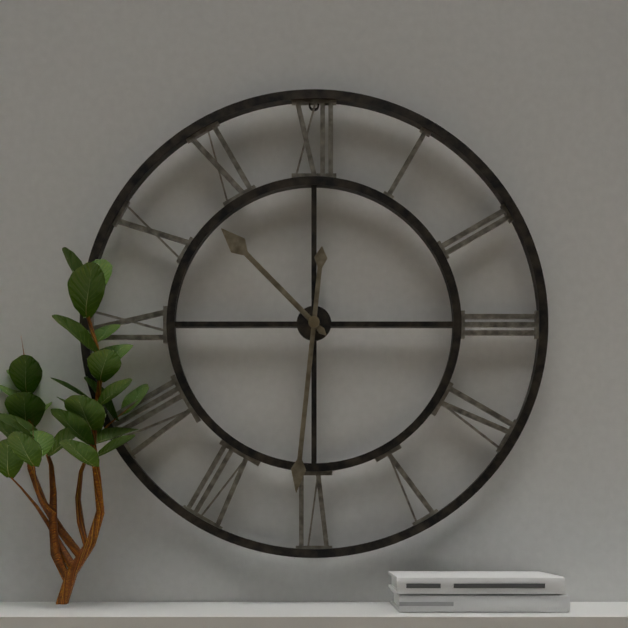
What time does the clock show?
10:31
